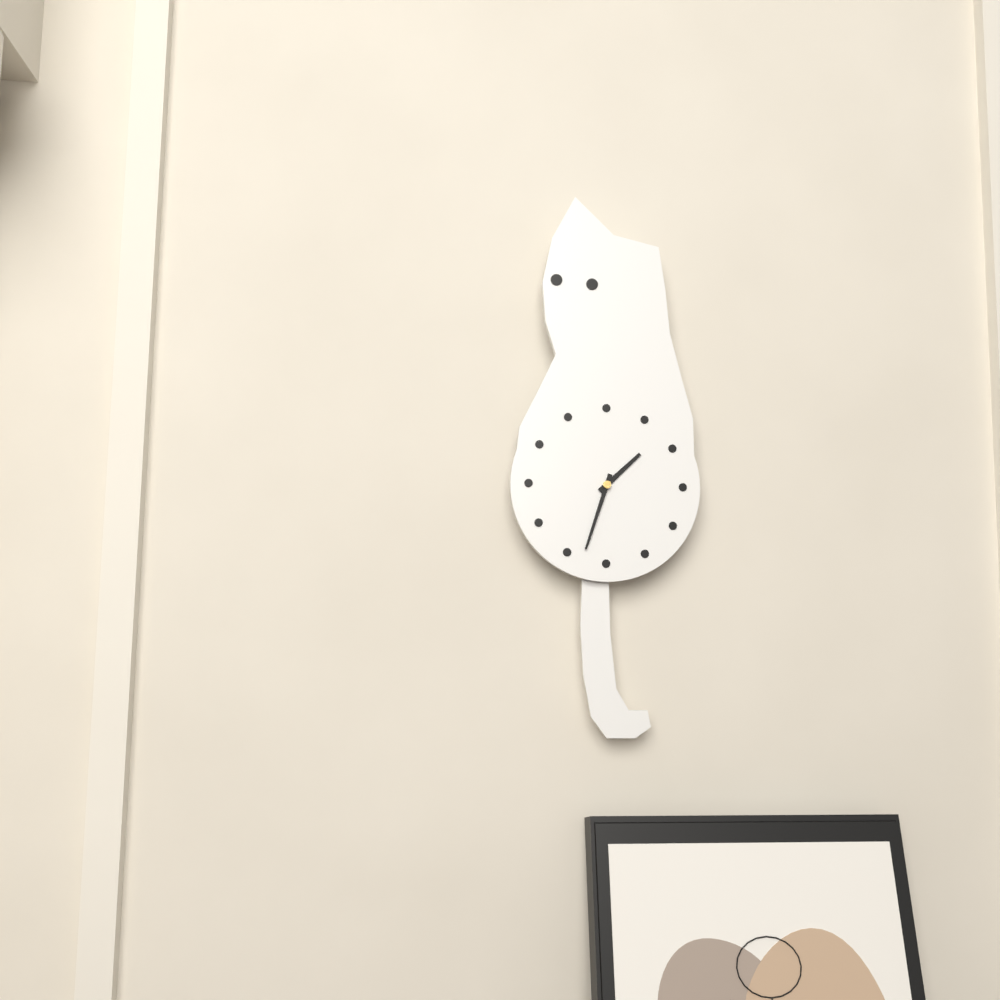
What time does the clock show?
1:33
